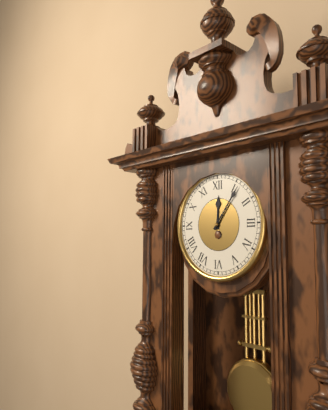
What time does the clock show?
12:06
